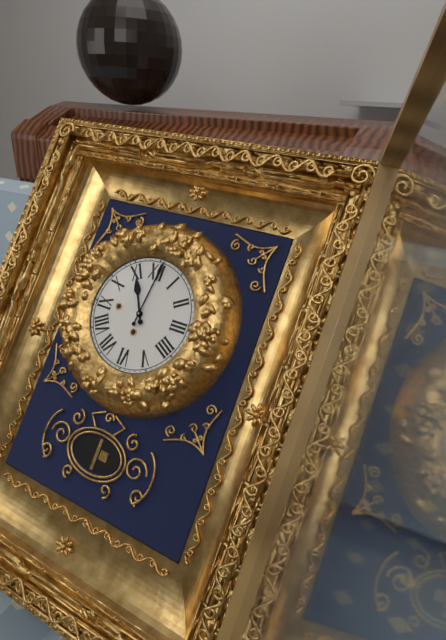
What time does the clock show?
11:01
